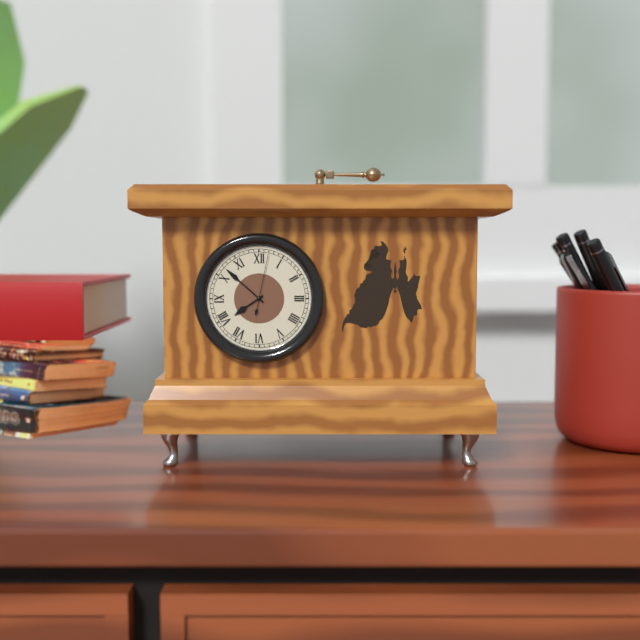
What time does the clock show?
7:52:02
